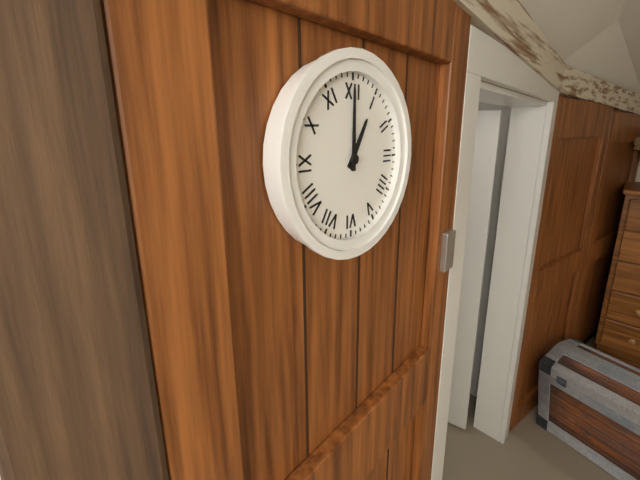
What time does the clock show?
1:00
